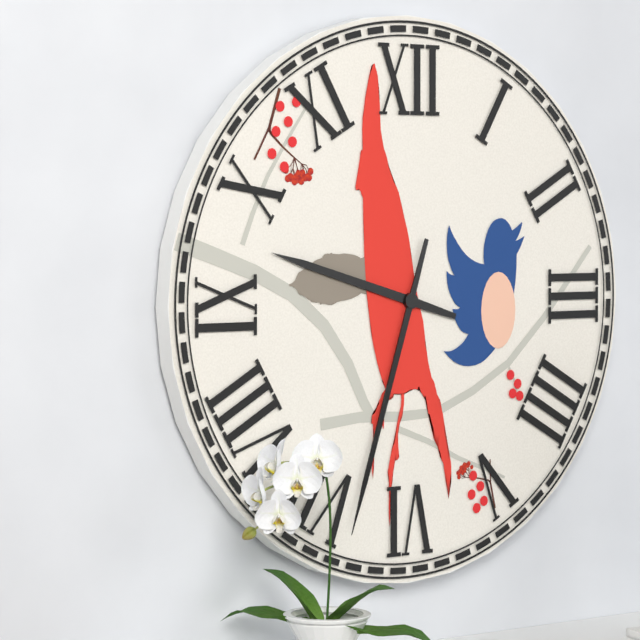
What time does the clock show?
9:33
